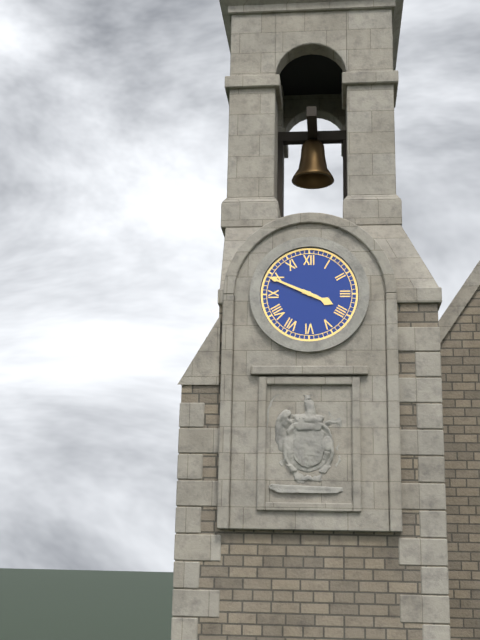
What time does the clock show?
3:49
